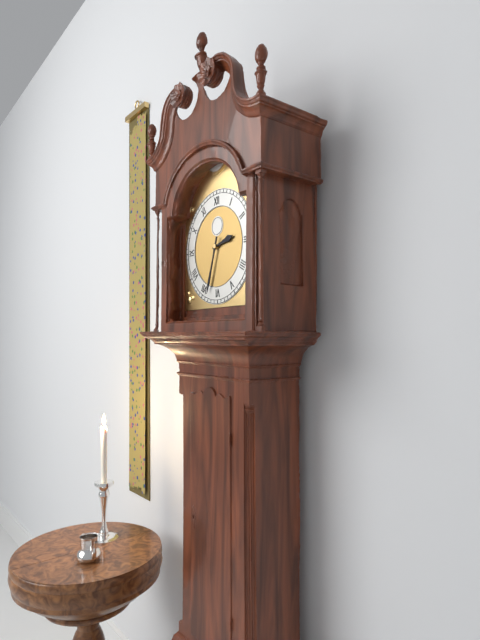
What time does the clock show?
2:33
